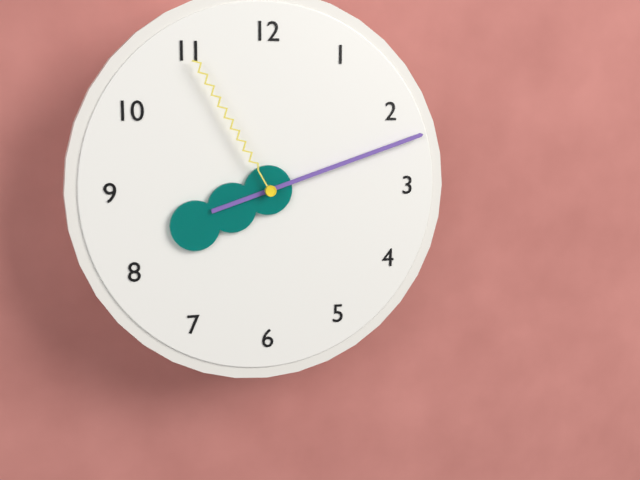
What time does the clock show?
8:12:55
